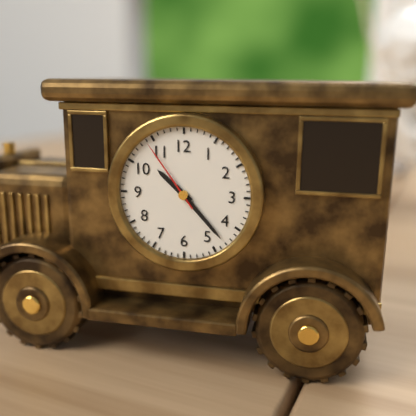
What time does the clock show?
10:23:54
